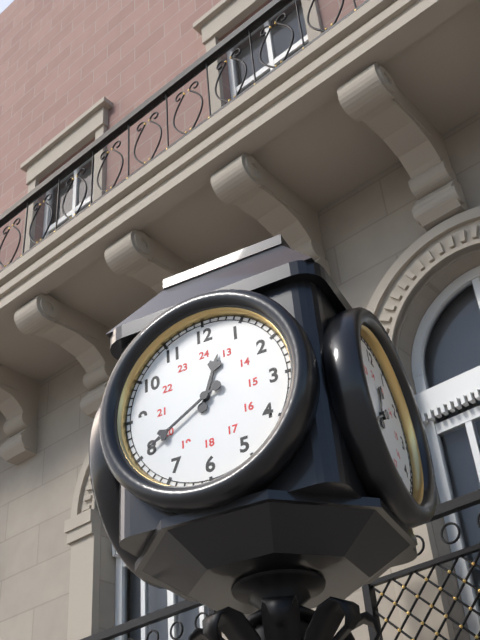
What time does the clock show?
12:40
